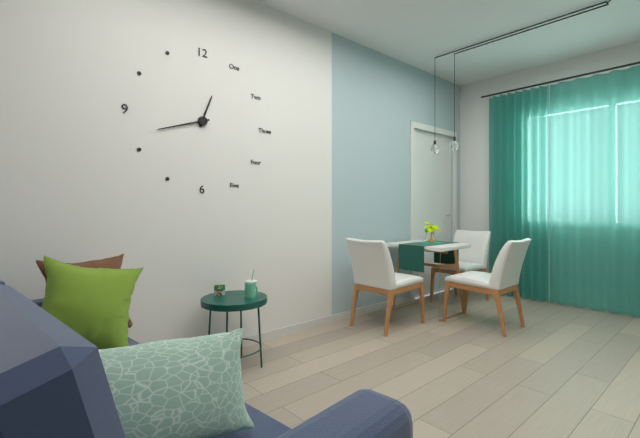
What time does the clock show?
12:42
